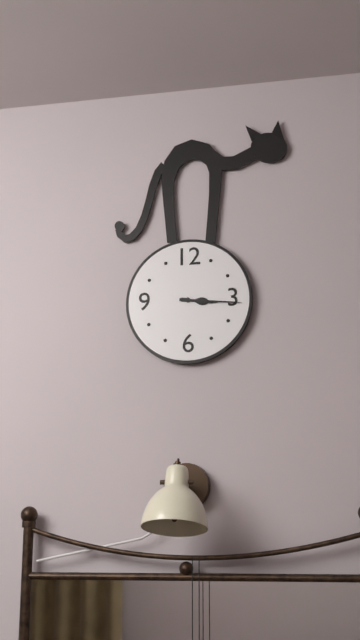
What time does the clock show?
3:16
